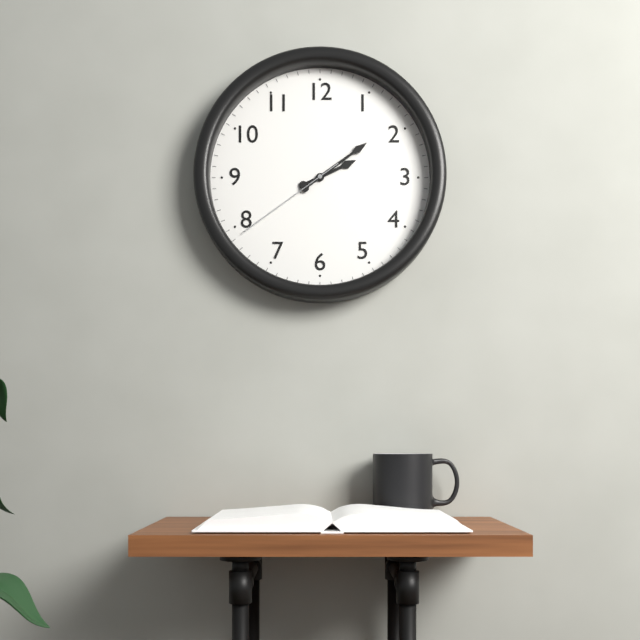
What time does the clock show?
2:09:39
